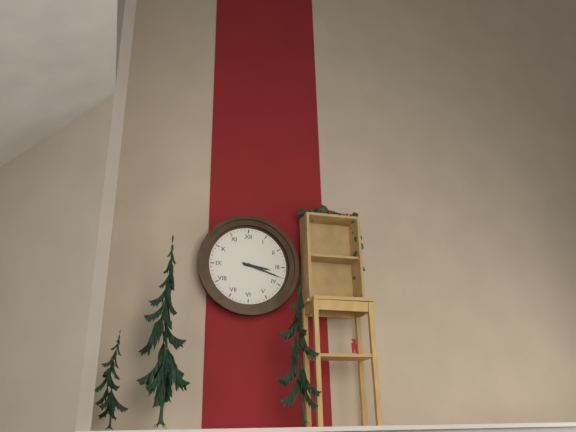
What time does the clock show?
3:18
